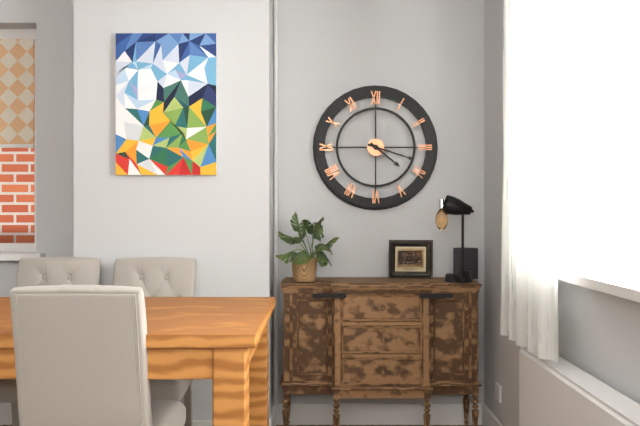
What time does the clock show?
4:18
